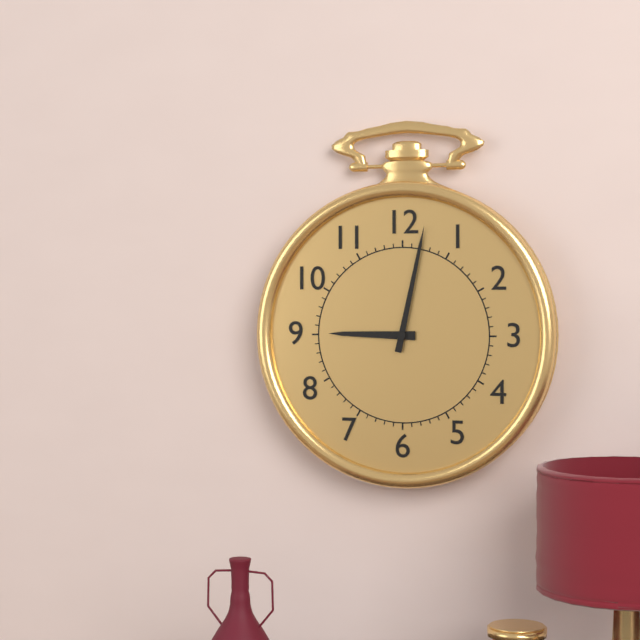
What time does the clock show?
9:02
